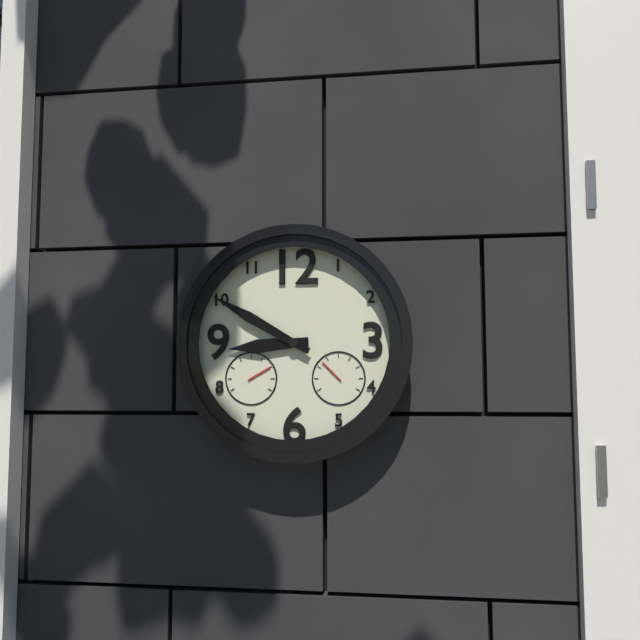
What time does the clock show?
8:50
